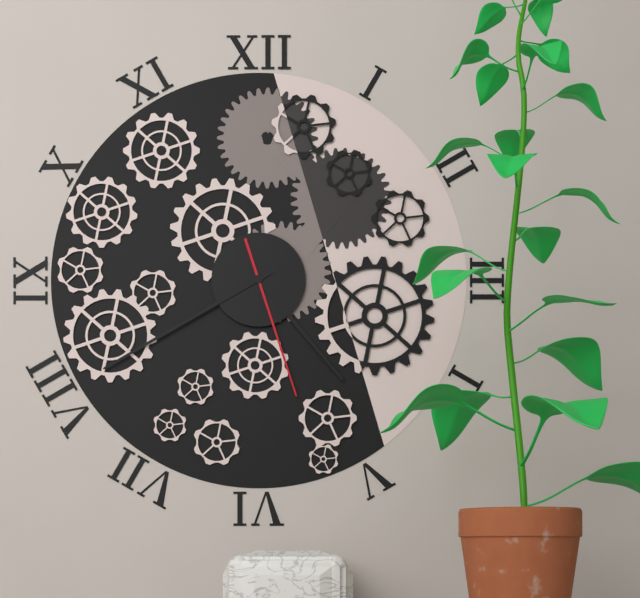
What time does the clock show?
4:40:27
